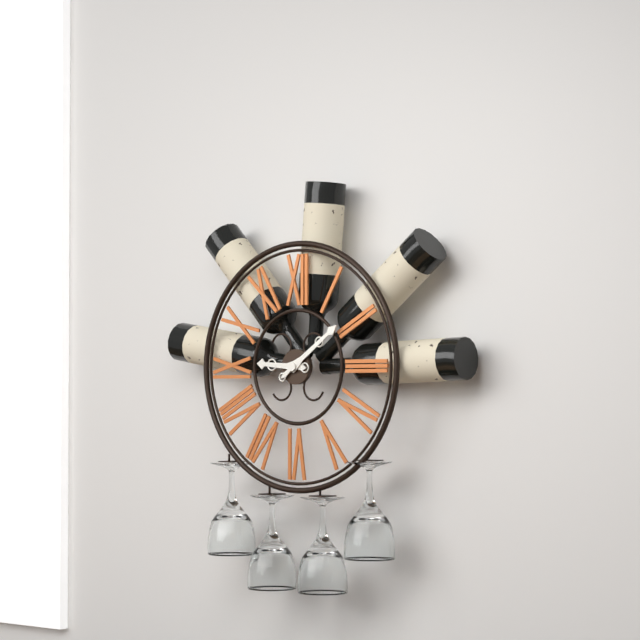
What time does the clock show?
9:09
